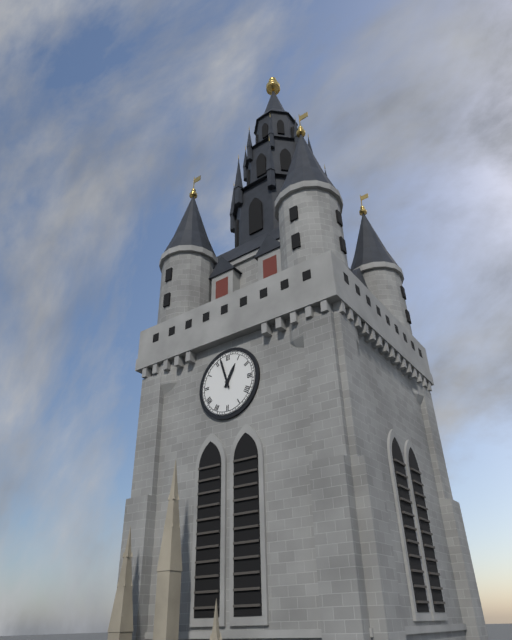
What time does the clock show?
12:57
